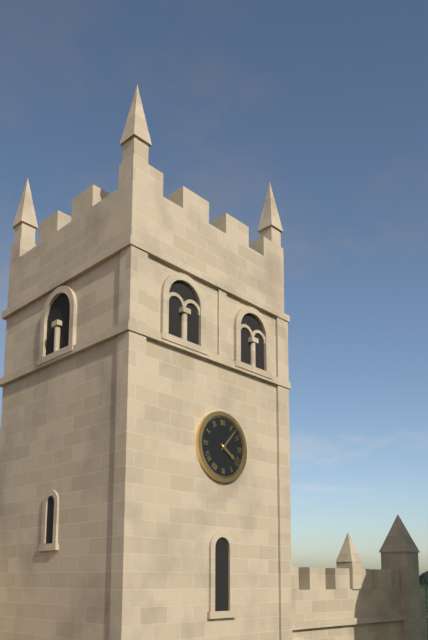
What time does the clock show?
4:07
